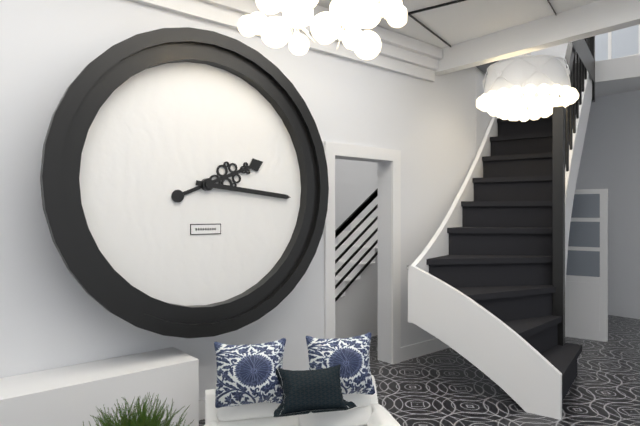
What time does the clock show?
2:16
